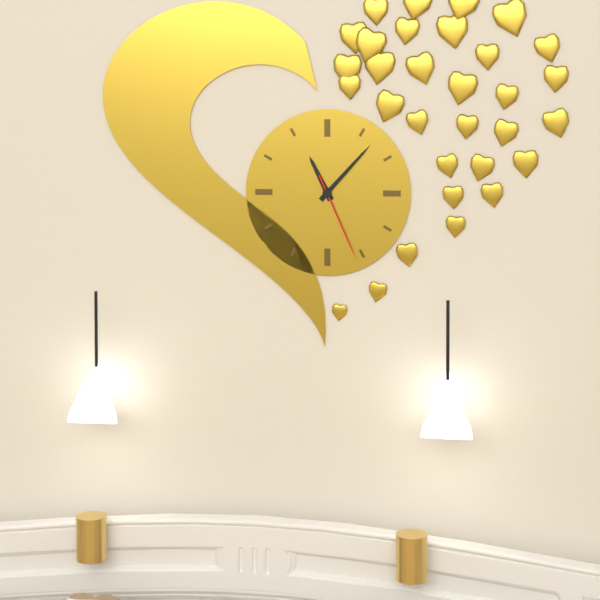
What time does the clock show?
11:07:26
